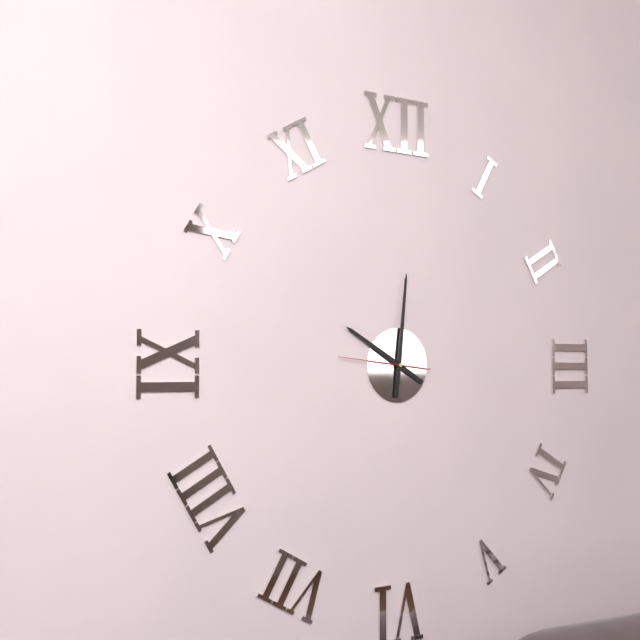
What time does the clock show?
10:01:46
